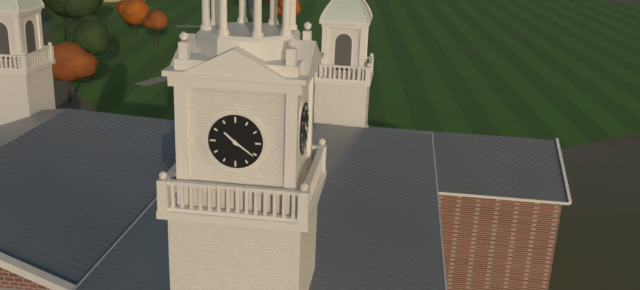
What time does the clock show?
10:21
